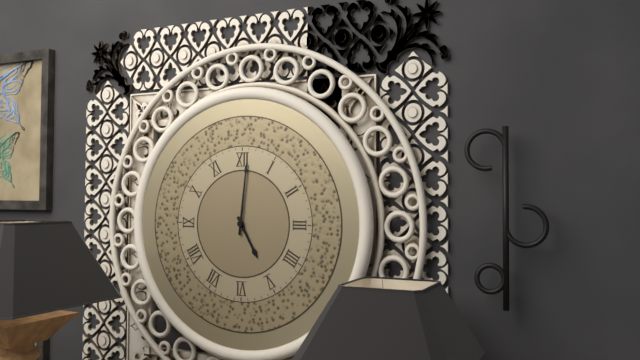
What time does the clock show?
5:01
